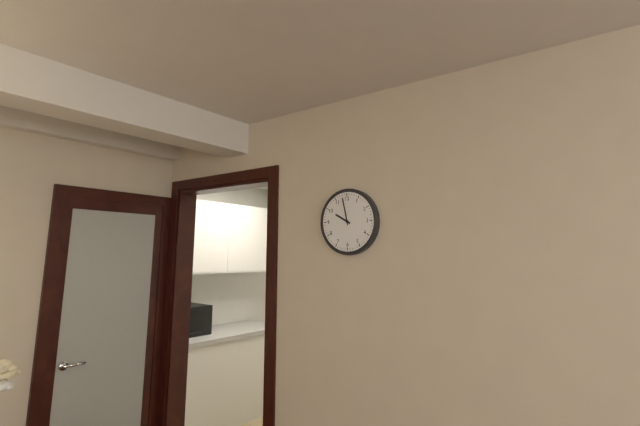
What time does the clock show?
9:58
